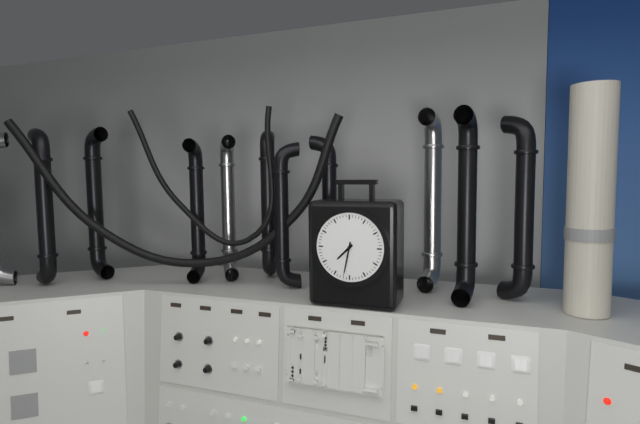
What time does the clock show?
7:32
